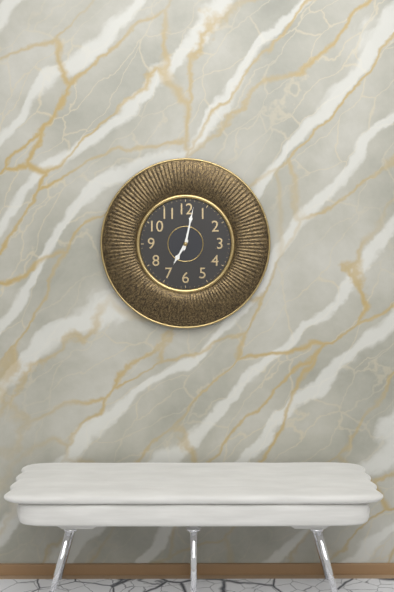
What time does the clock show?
7:02
